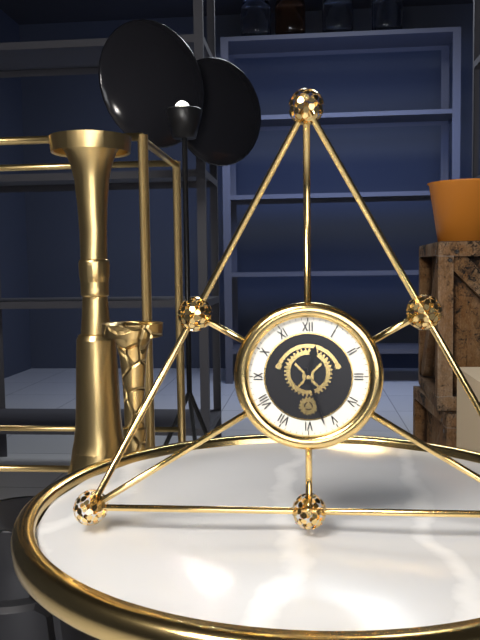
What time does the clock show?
12:27
